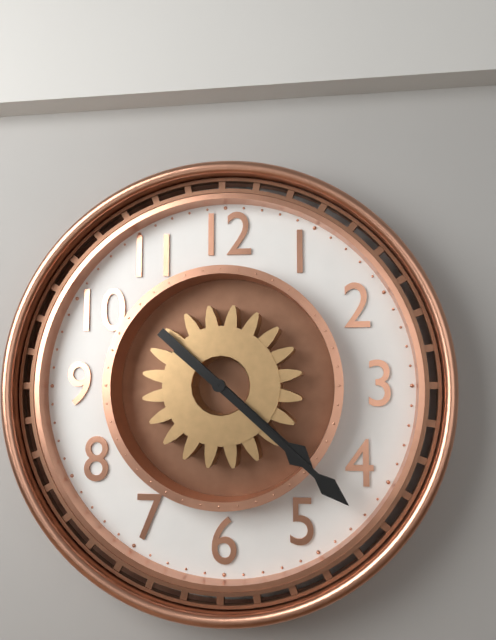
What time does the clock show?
4:22
